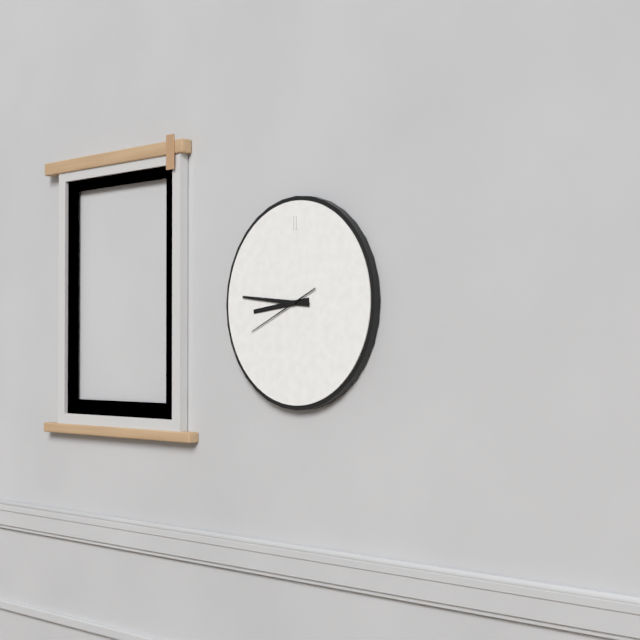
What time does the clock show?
8:46:41
